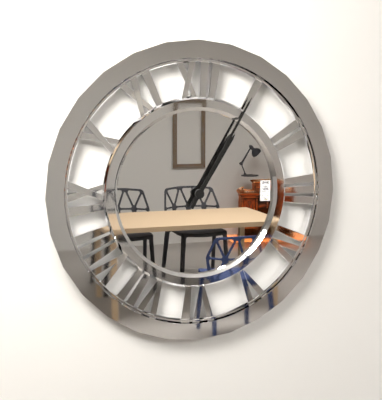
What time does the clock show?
1:05
